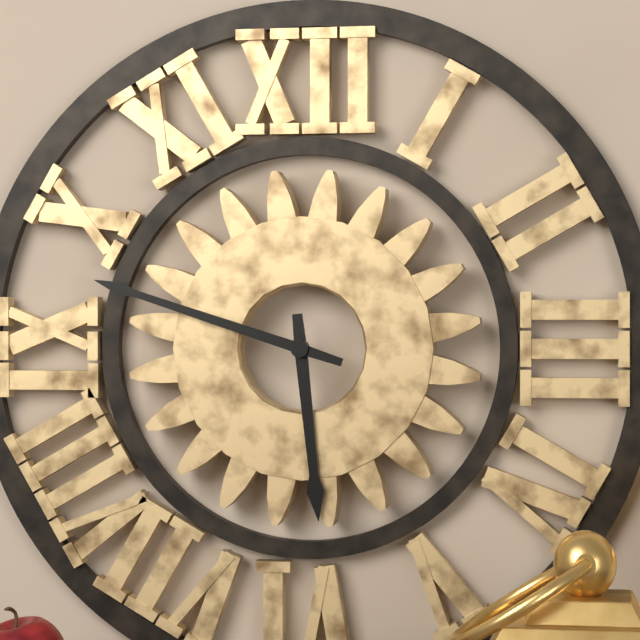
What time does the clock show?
5:48
